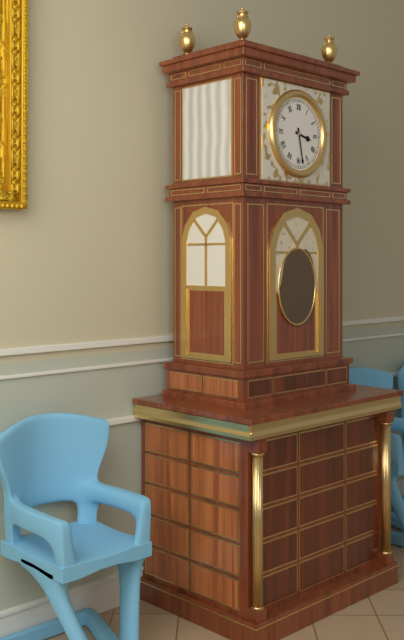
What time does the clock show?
3:28
